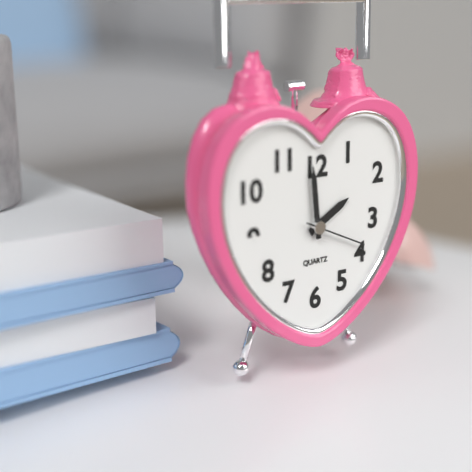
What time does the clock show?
1:59:19
